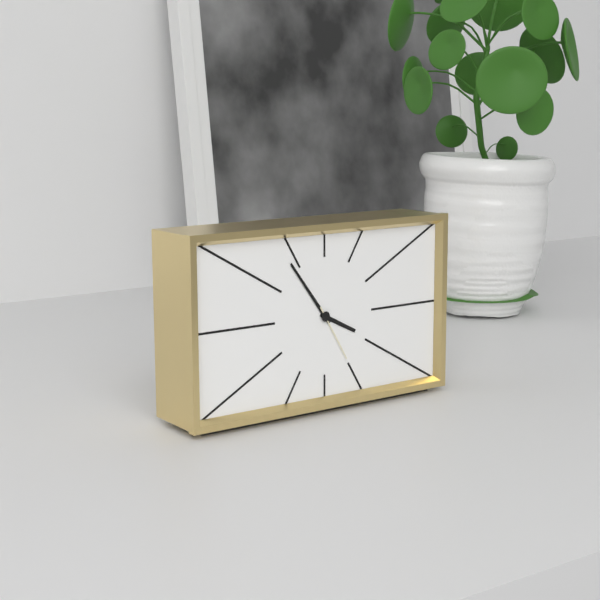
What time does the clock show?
3:54:25
